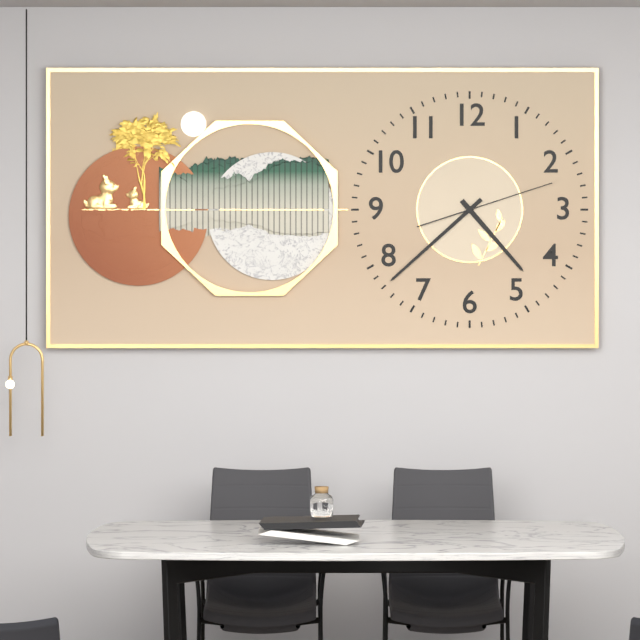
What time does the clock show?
4:38:12
